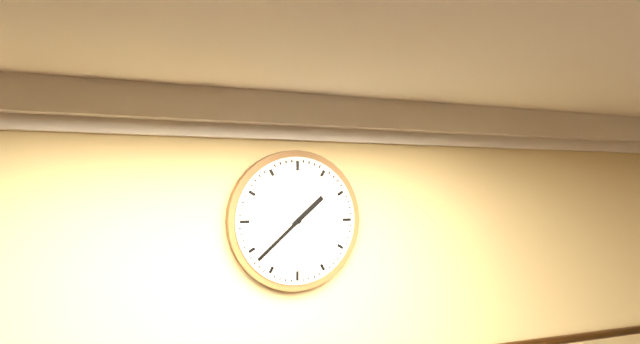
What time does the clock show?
1:38
